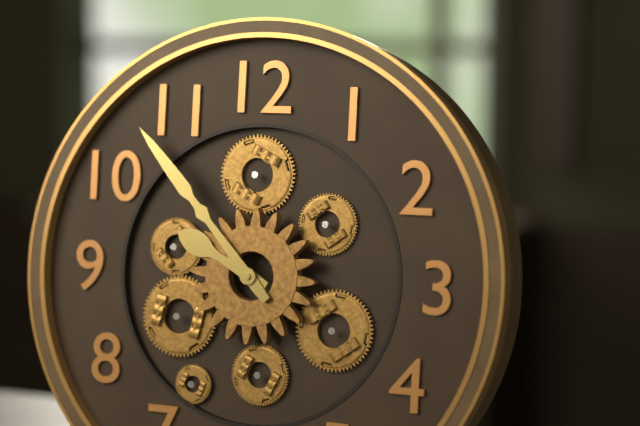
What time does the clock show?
9:53
